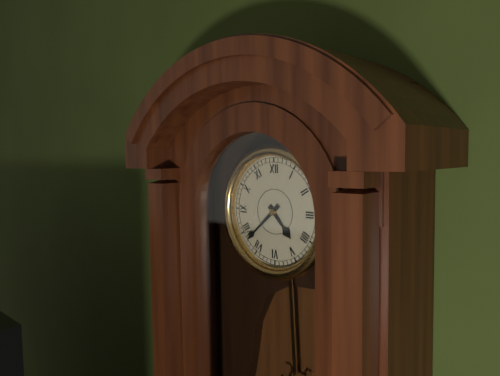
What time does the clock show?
4:38
